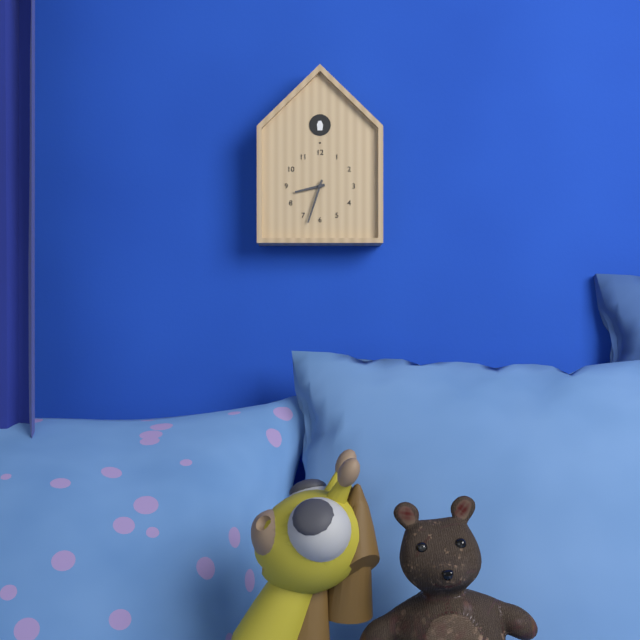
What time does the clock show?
8:33
